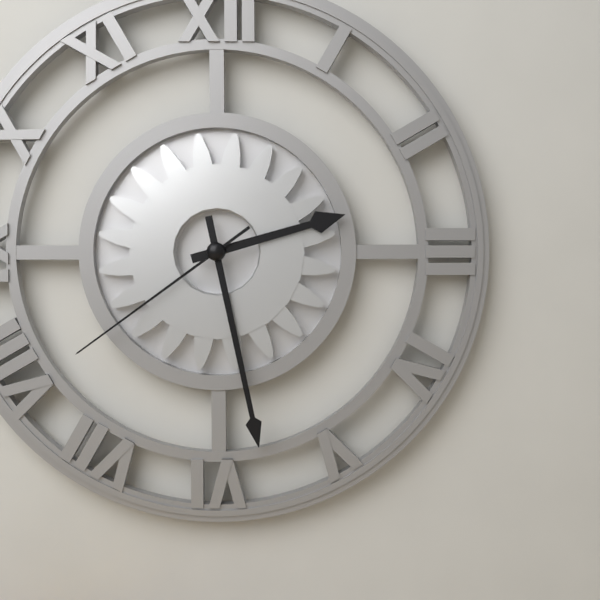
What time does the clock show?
2:28:39
